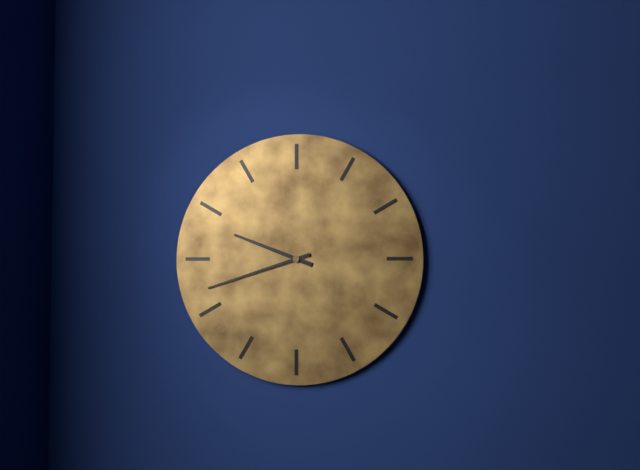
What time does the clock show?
9:42
